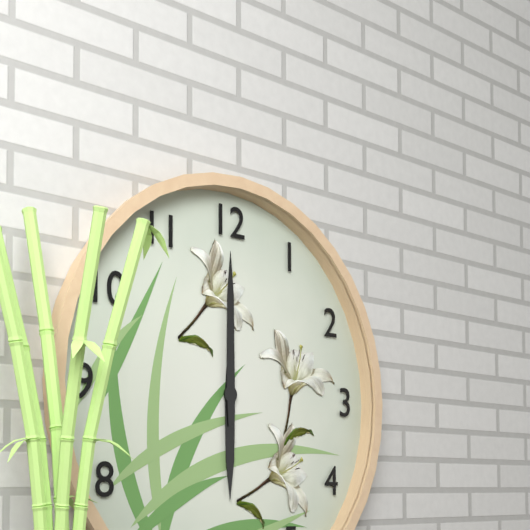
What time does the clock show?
6:00
